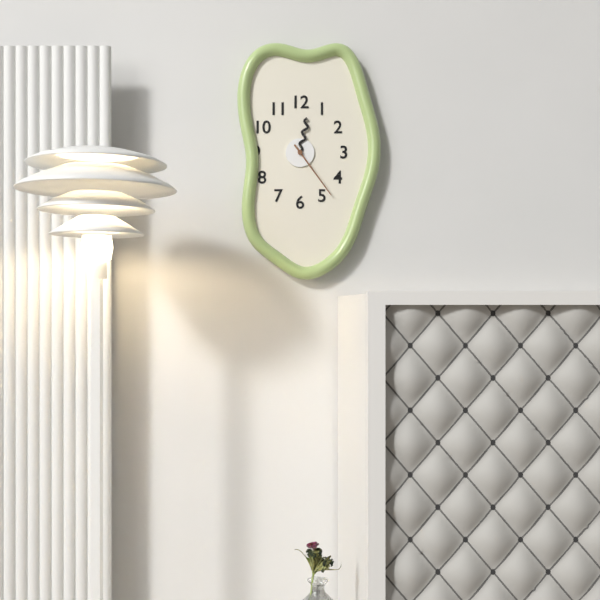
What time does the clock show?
12:24
